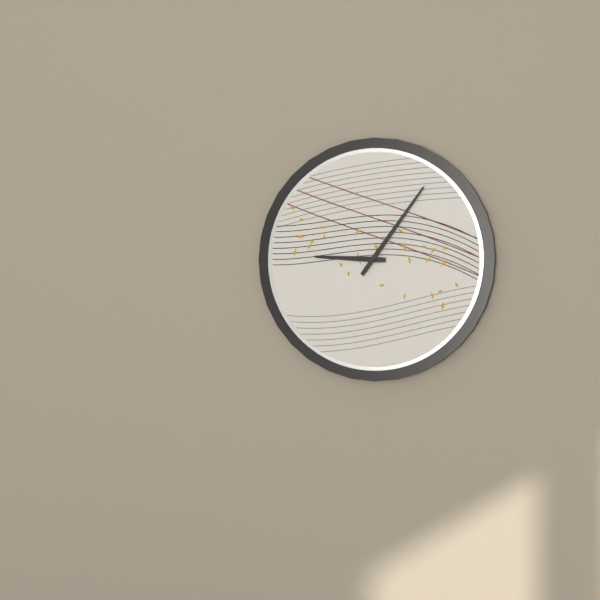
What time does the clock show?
9:06
